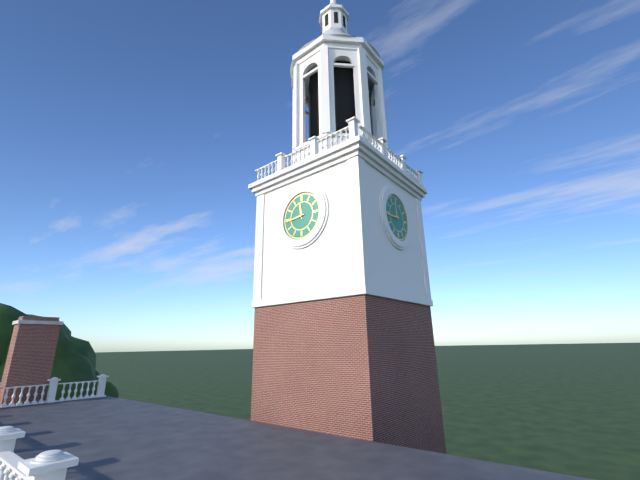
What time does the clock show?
11:44
